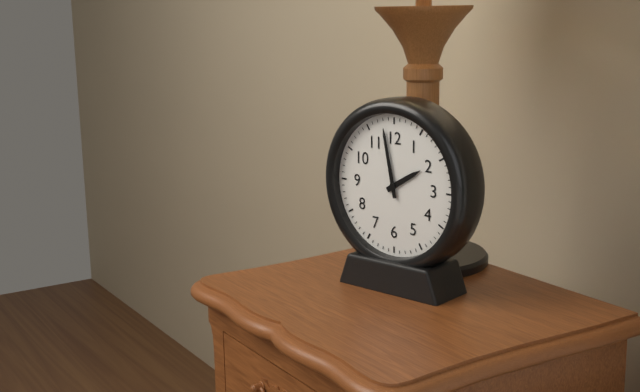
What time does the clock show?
1:58
